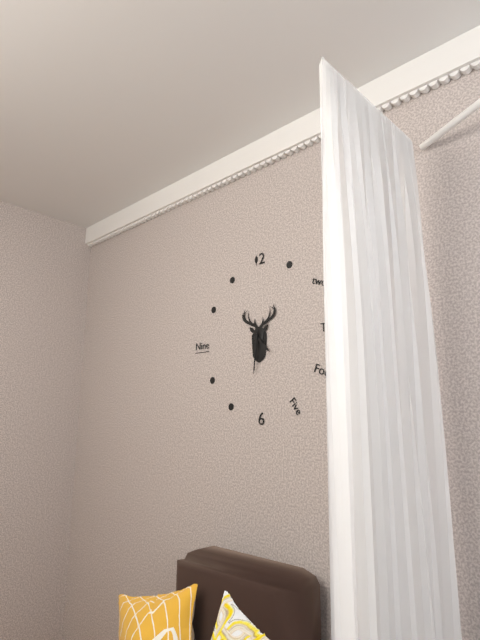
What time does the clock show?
4:31
